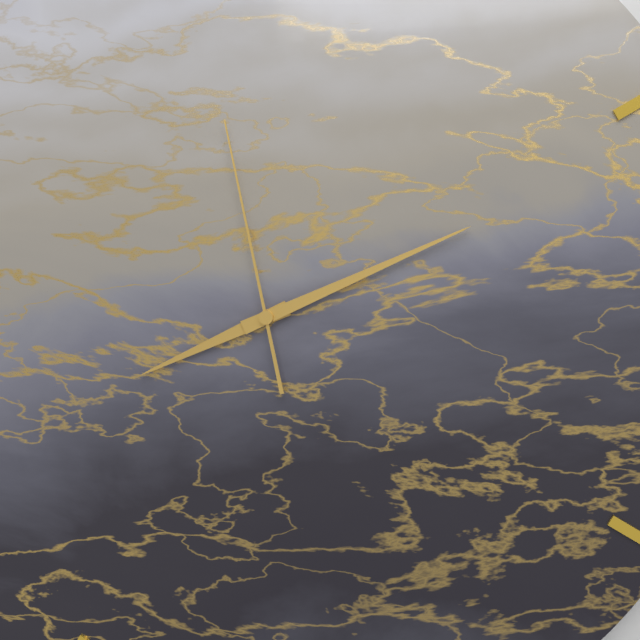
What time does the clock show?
8:11:58
